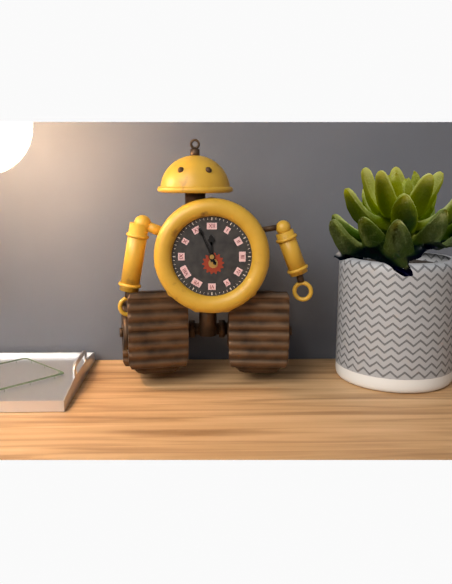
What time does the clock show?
11:56
